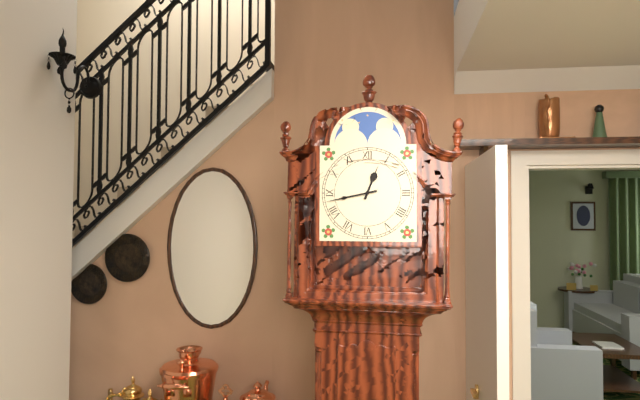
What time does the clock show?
12:43
